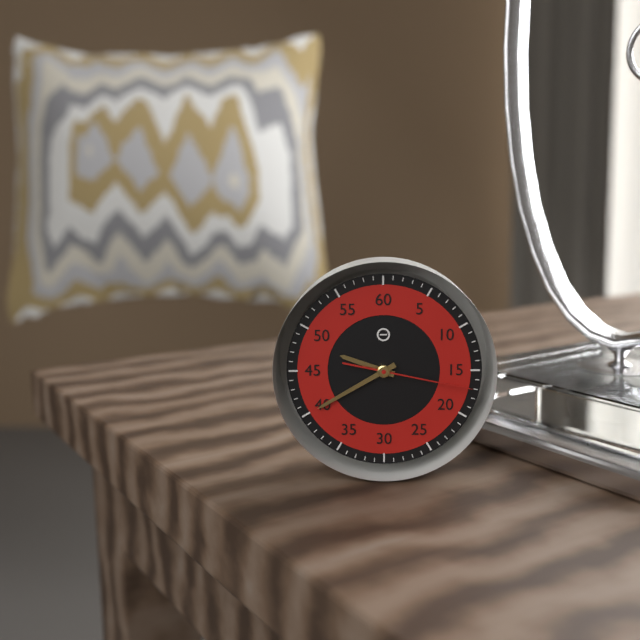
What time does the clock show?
9:40:17
